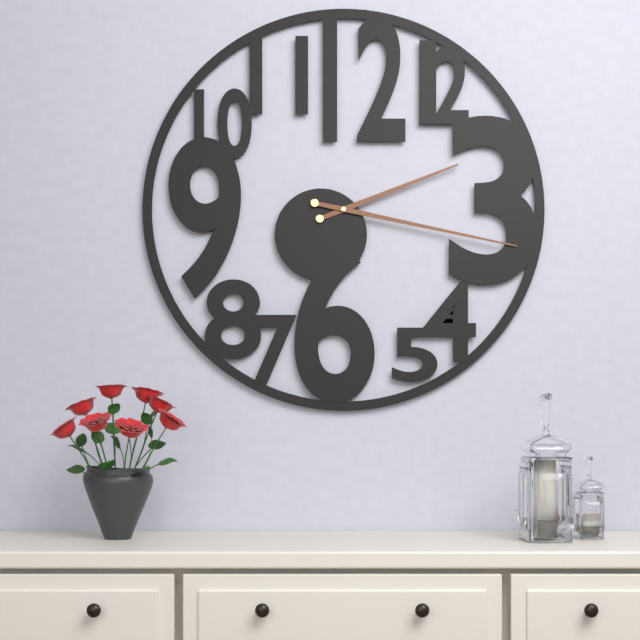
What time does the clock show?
2:17
